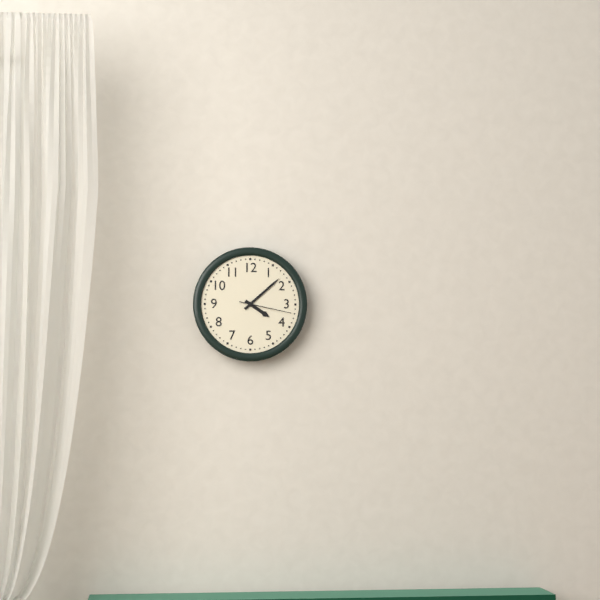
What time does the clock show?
4:08:17
